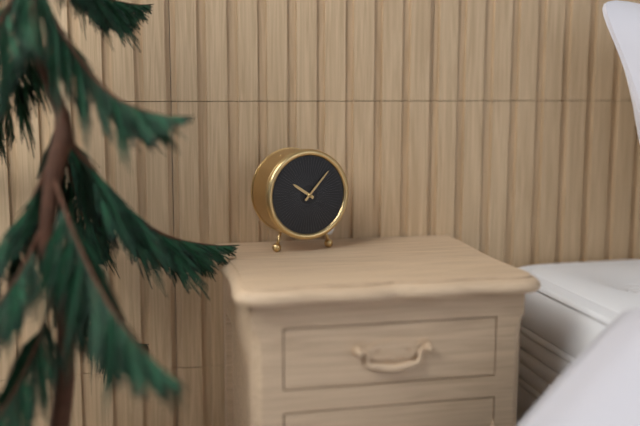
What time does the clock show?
10:07
